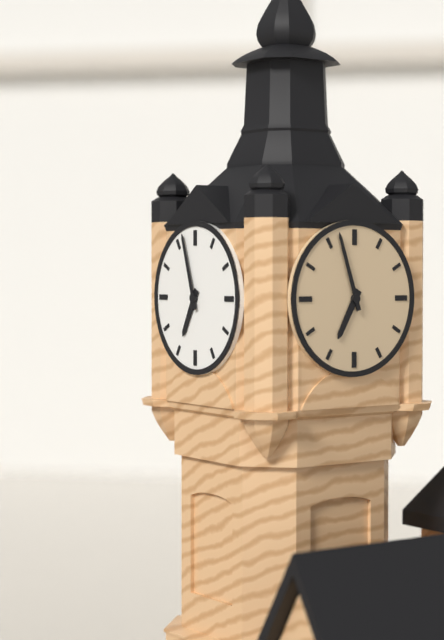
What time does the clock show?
6:57
